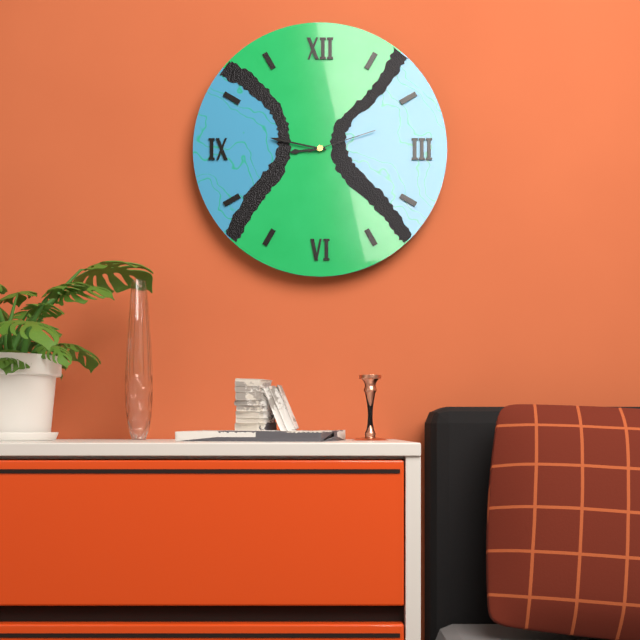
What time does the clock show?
8:47:12
